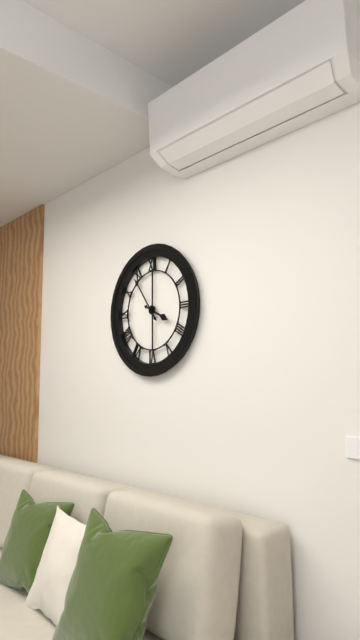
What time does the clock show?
3:54
